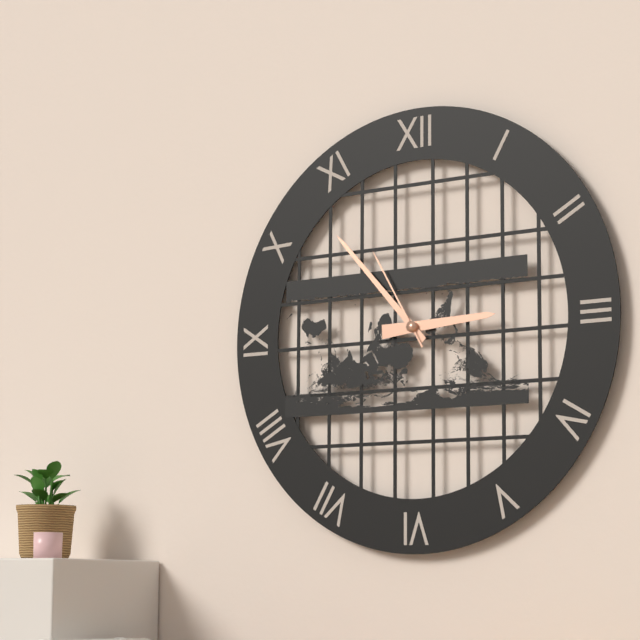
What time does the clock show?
2:53:55
